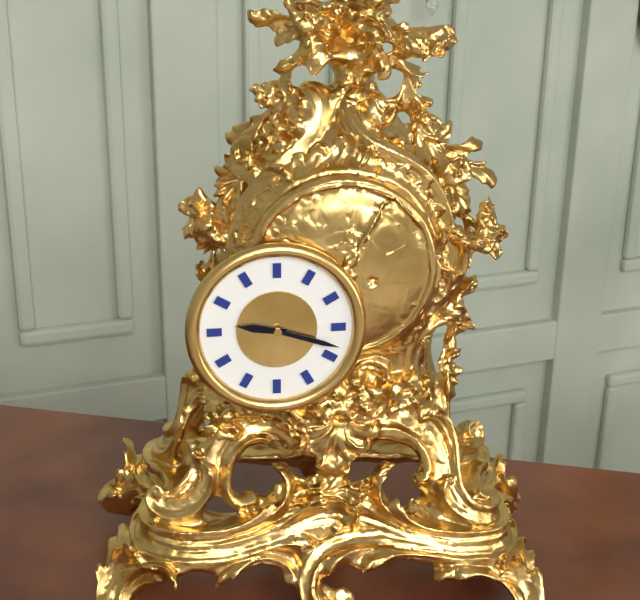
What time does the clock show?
9:18
